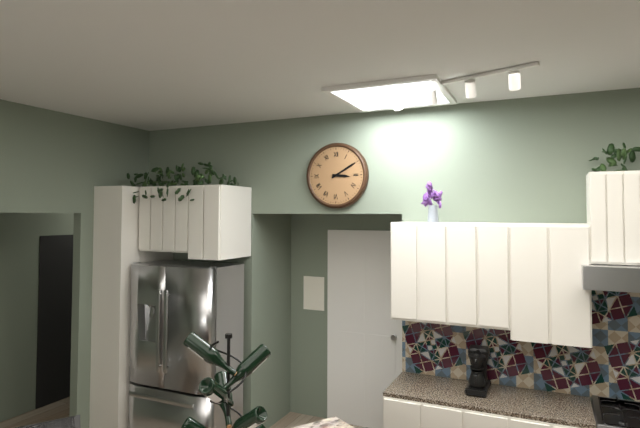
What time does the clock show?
3:10
